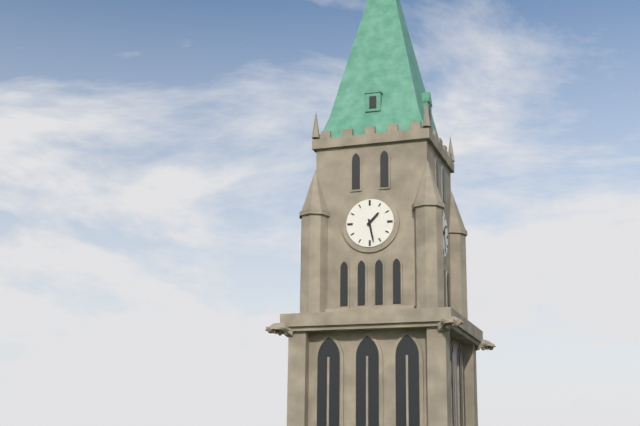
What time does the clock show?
1:28
